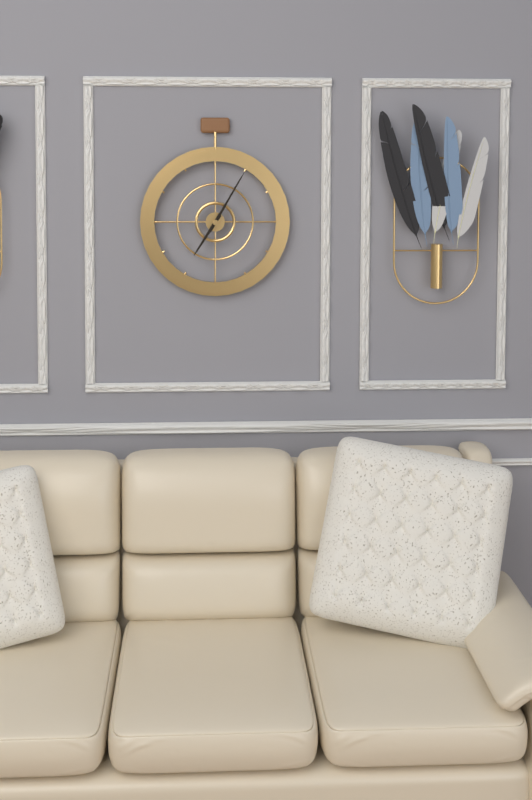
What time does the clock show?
7:05
